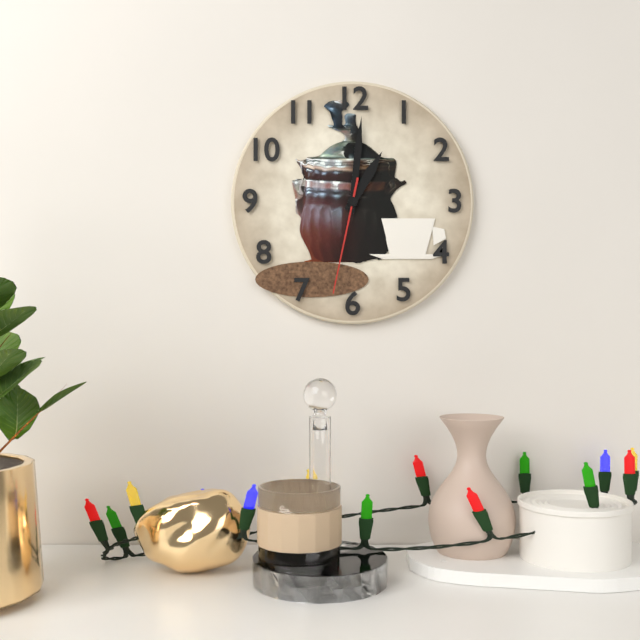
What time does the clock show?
1:01:32
